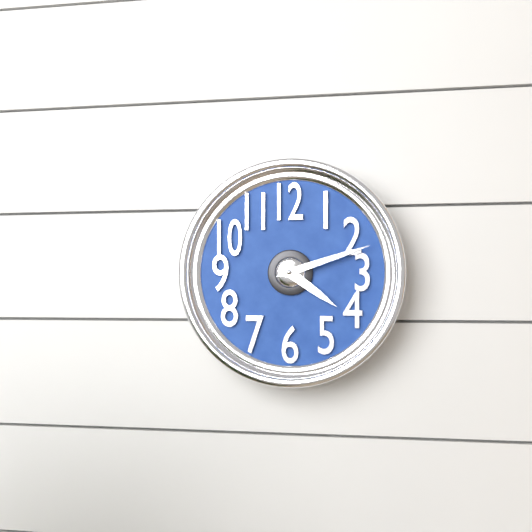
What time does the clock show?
4:12
